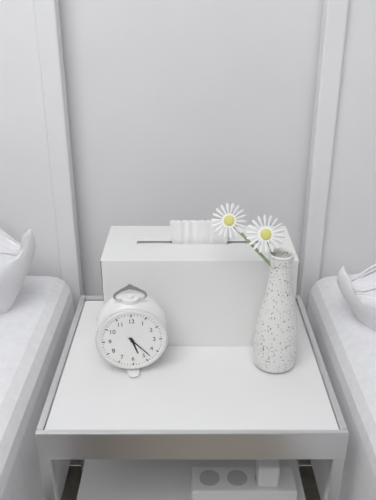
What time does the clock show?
5:23
